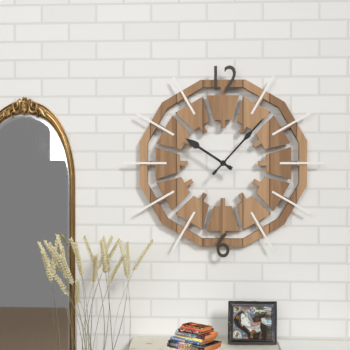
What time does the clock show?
10:07
